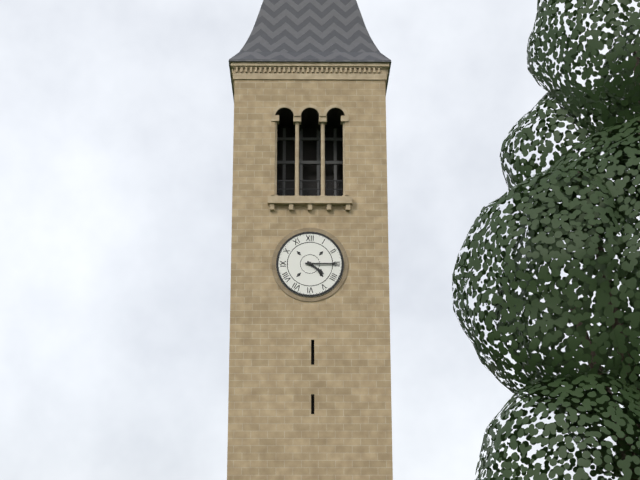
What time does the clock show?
4:15
